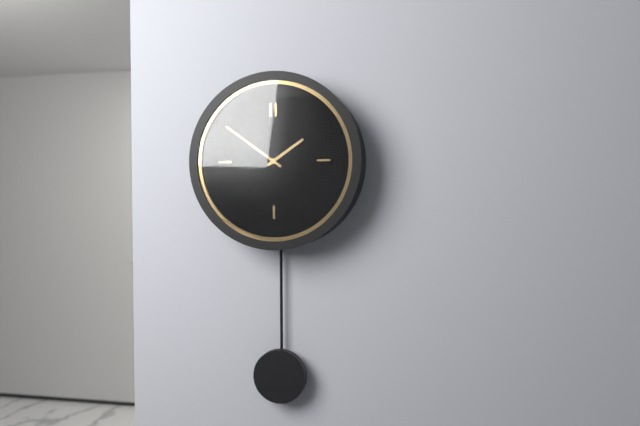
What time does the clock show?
1:51
